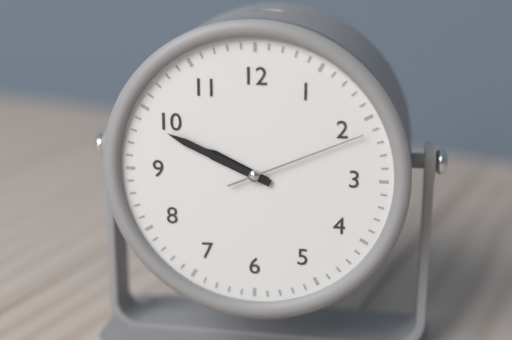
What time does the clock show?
9:49:11
